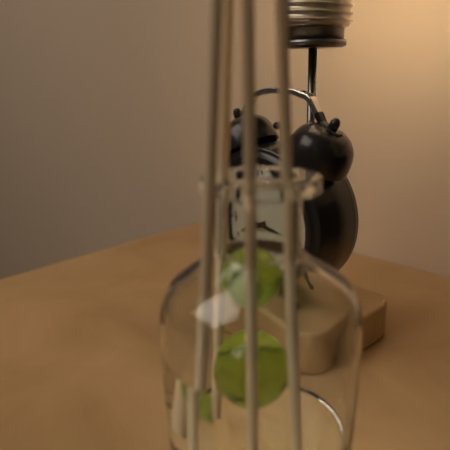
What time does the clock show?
8:16
